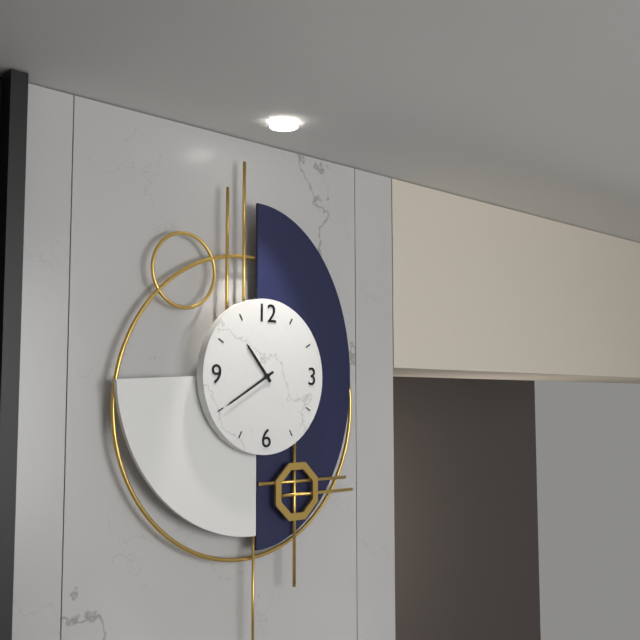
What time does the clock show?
10:40
